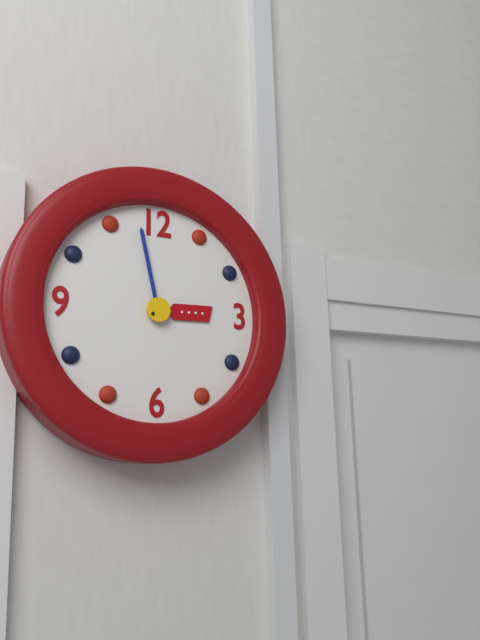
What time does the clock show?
2:58
